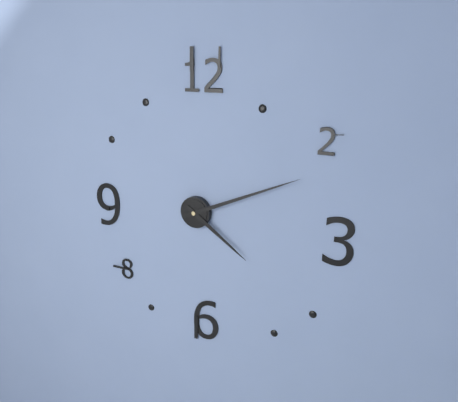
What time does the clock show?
4:11
